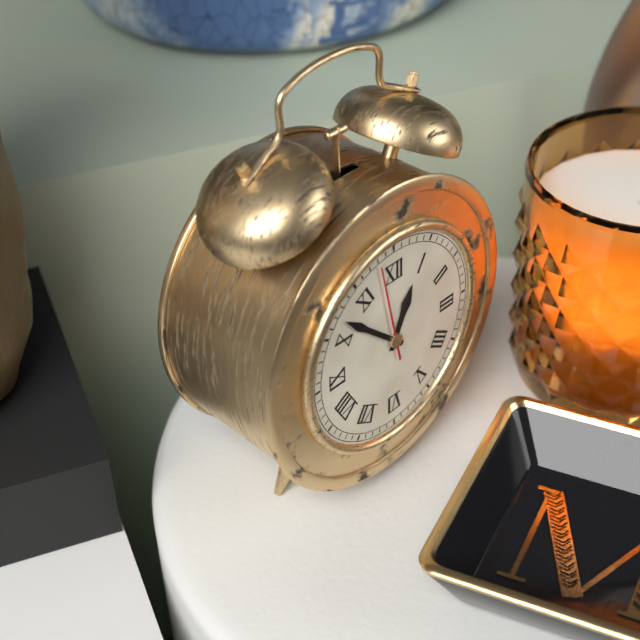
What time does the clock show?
12:52:58
